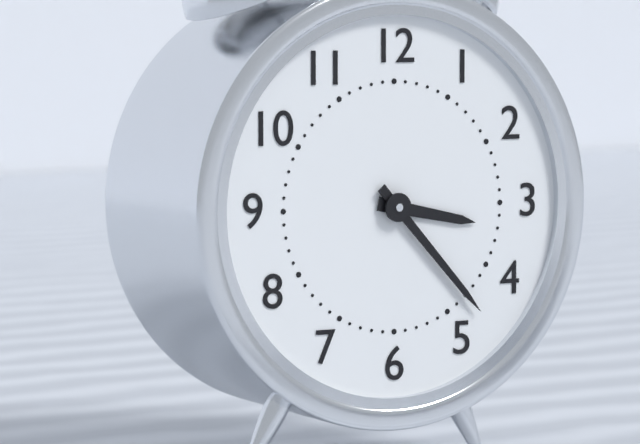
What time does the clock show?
3:23
